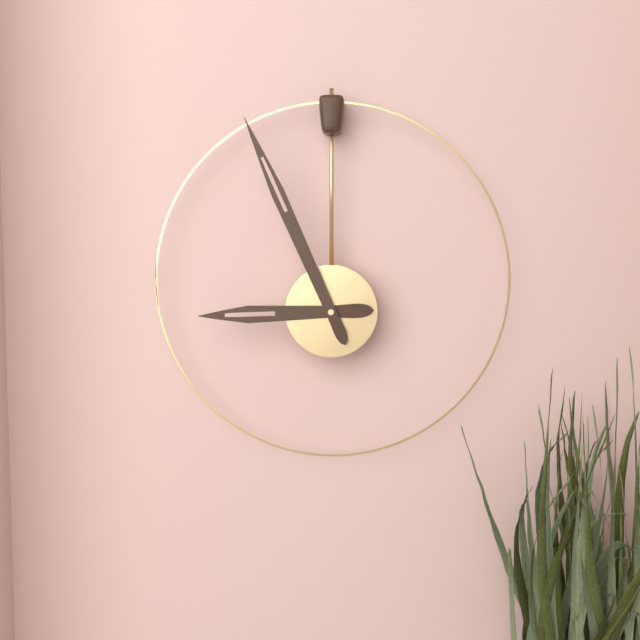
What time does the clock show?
8:56
